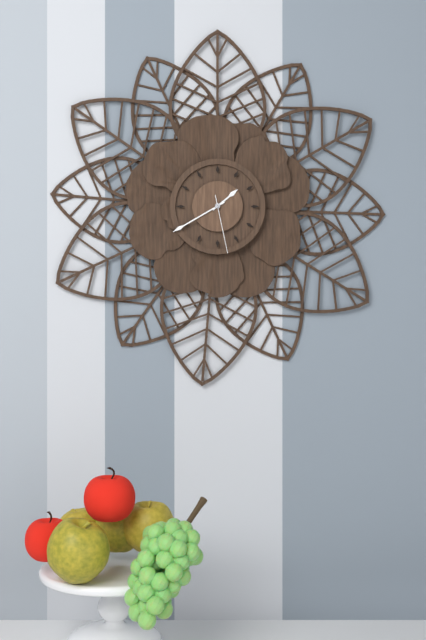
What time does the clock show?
1:40:28
